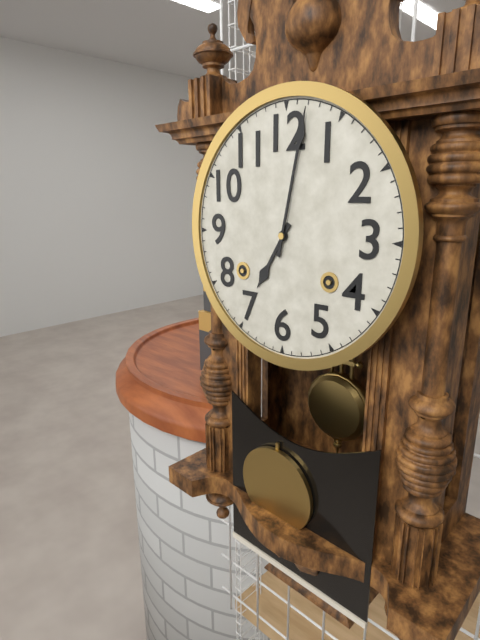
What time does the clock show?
7:02
